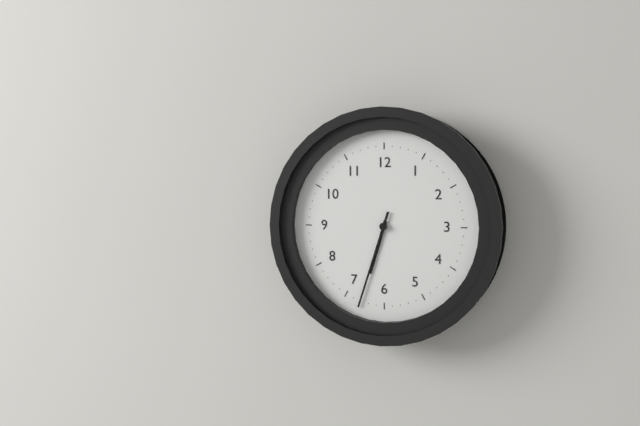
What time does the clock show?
6:33
